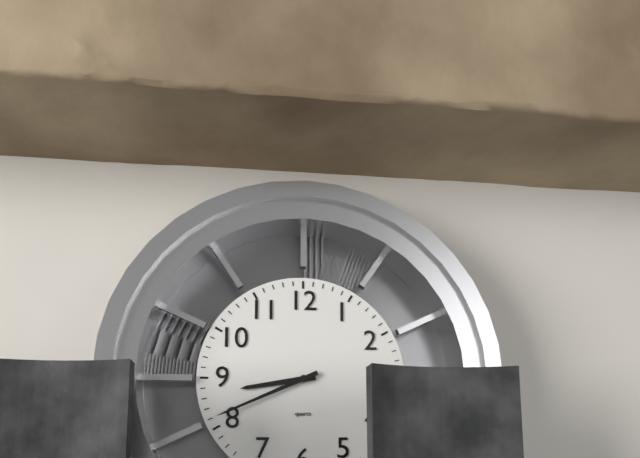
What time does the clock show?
8:41
